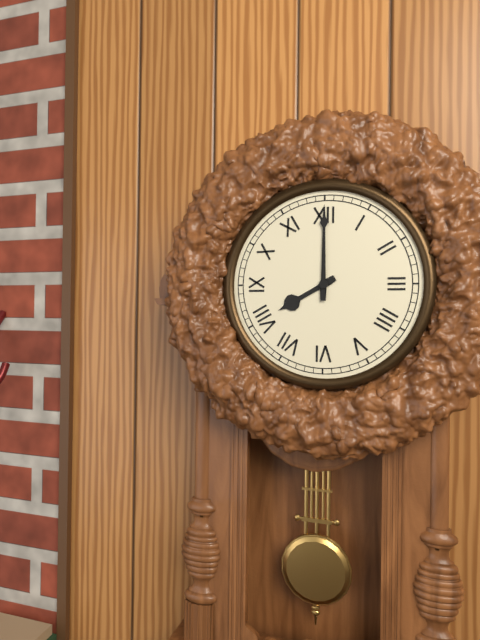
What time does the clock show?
8:00
